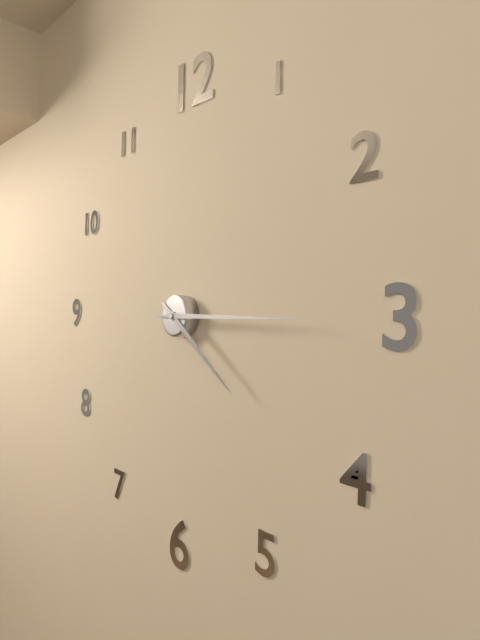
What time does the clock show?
4:15
